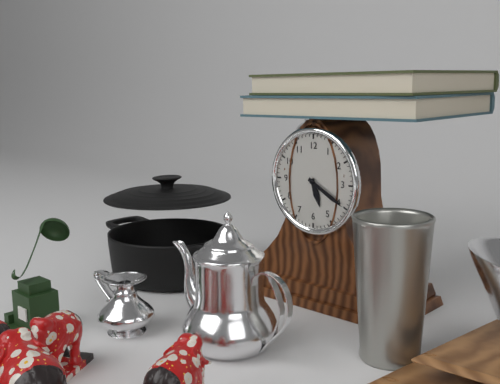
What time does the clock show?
5:20
